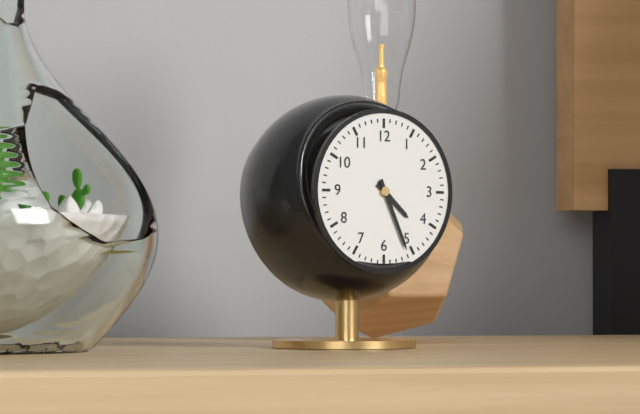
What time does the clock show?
4:26
